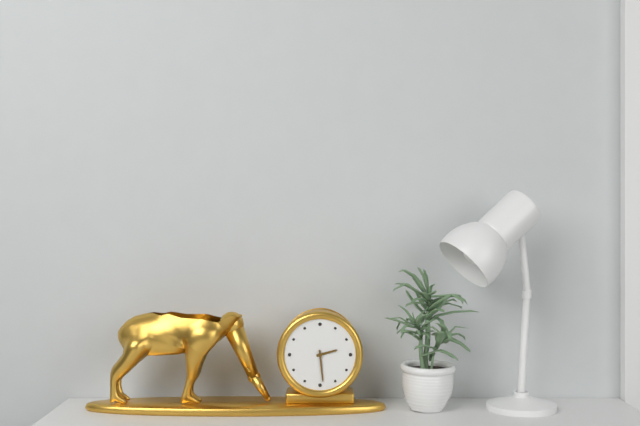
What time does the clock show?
2:29
